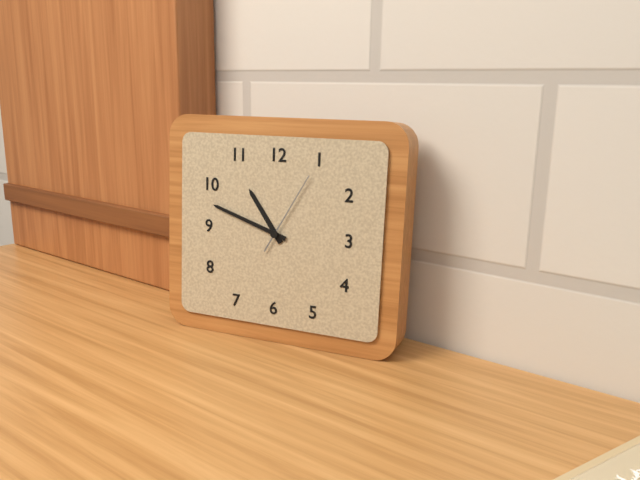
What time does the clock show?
10:48:05
